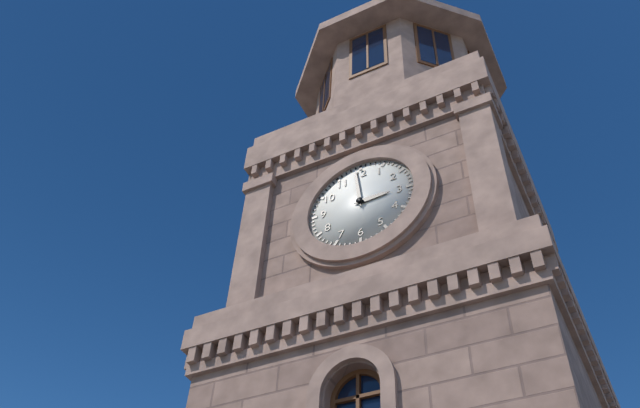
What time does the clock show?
2:59
